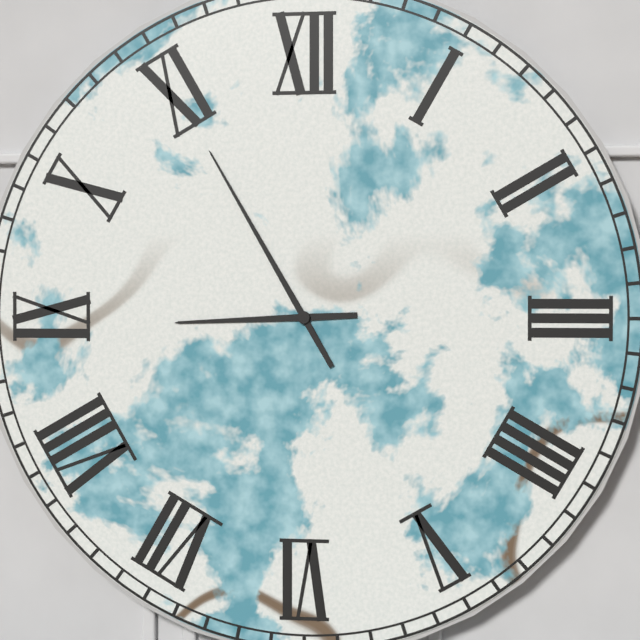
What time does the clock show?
8:55
